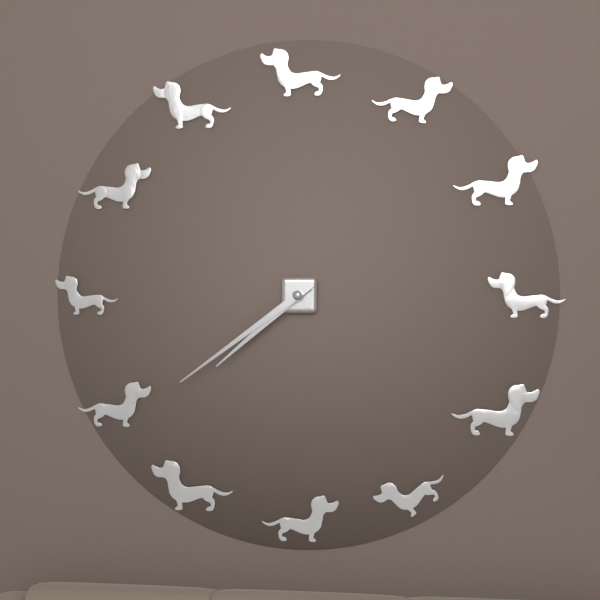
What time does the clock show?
7:39
